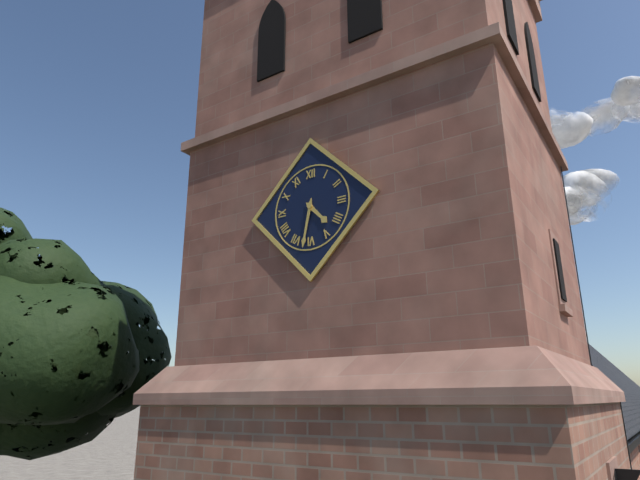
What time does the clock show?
4:32
